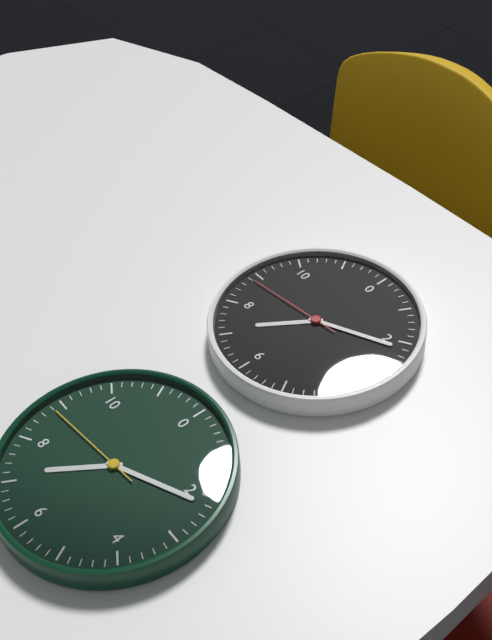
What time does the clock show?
7:11:44
